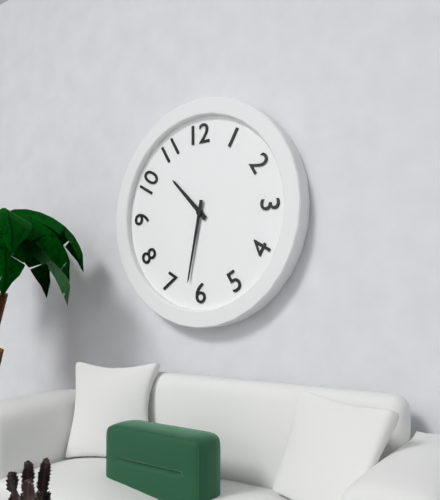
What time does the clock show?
10:32
